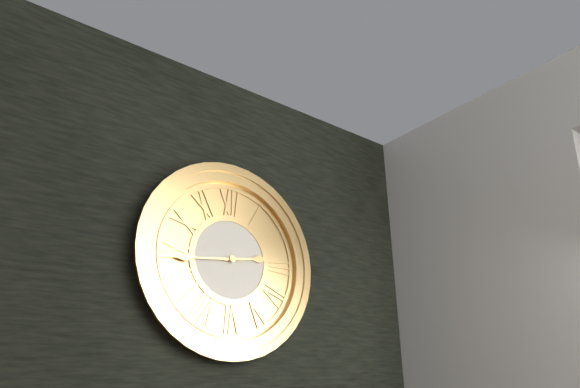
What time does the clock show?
2:44
